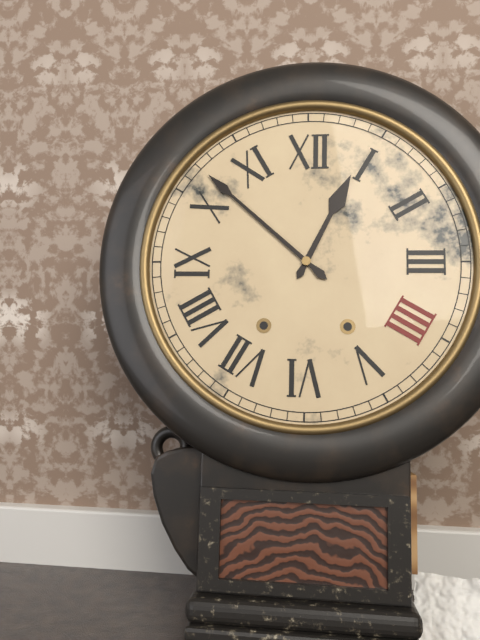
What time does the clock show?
12:52
